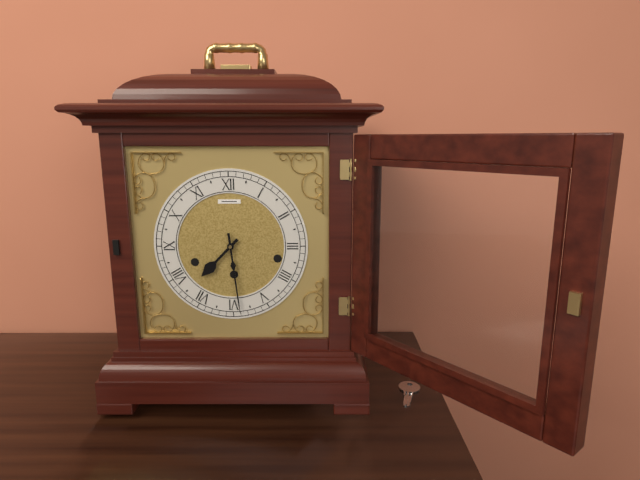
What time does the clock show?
7:29
